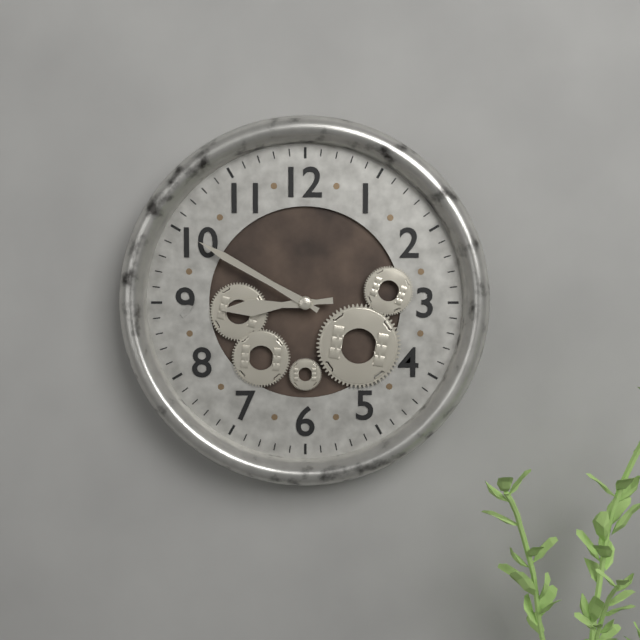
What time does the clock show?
8:50
